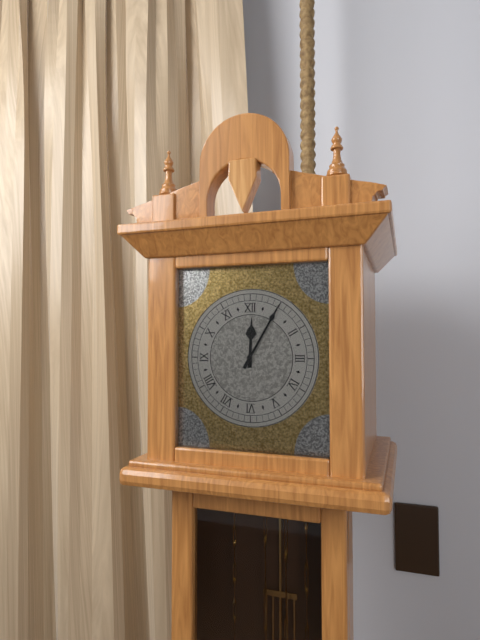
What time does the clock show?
12:05
